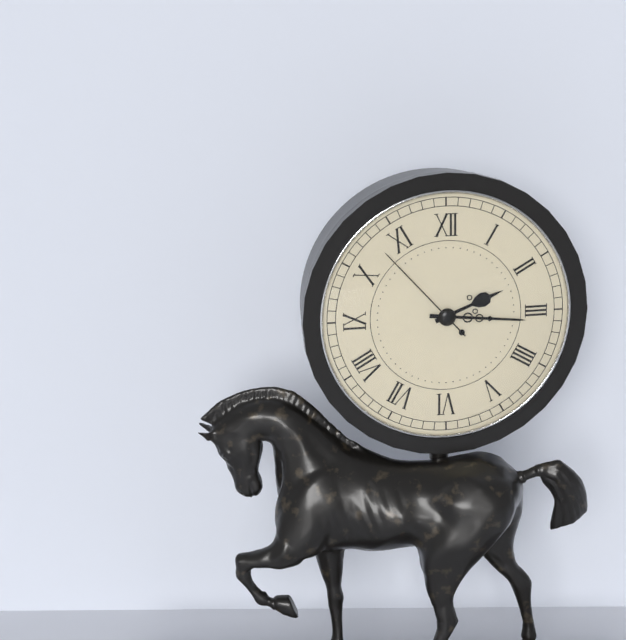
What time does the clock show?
2:16:53
